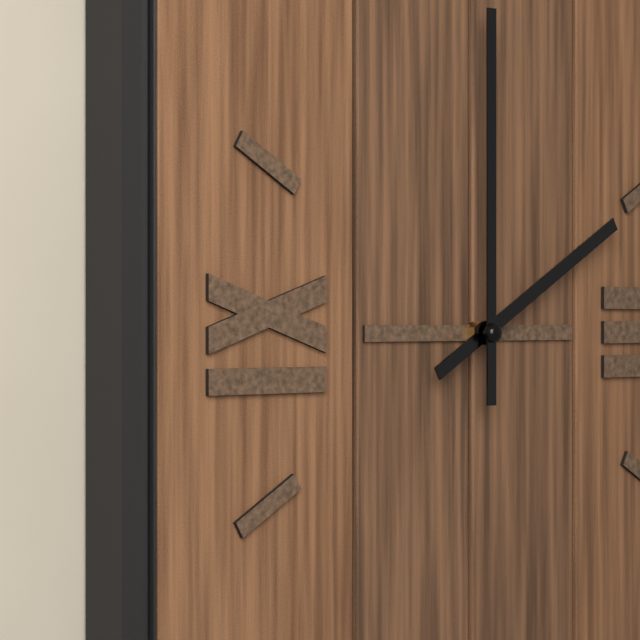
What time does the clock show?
2:00
